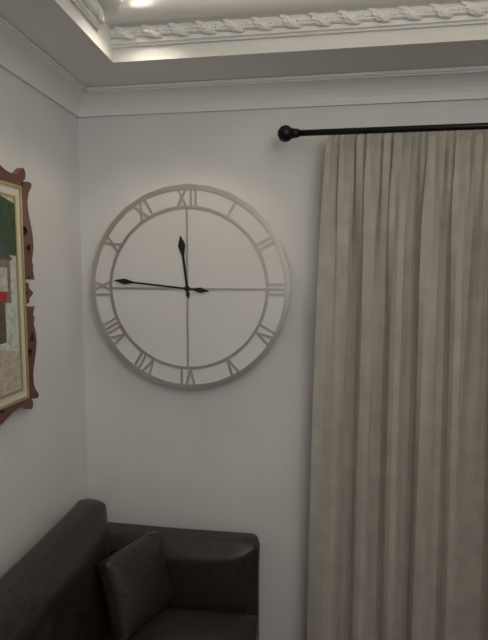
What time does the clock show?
11:46
